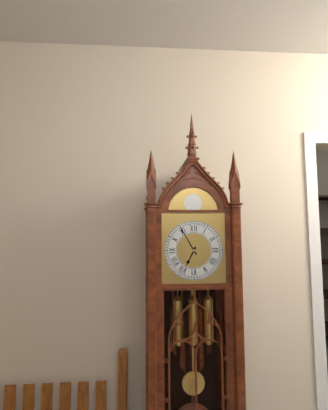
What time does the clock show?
6:55
